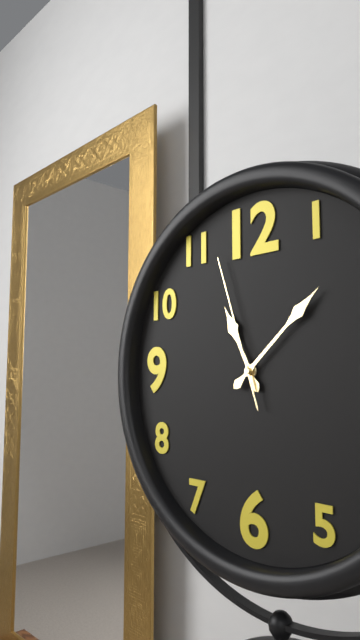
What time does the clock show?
11:08:57
